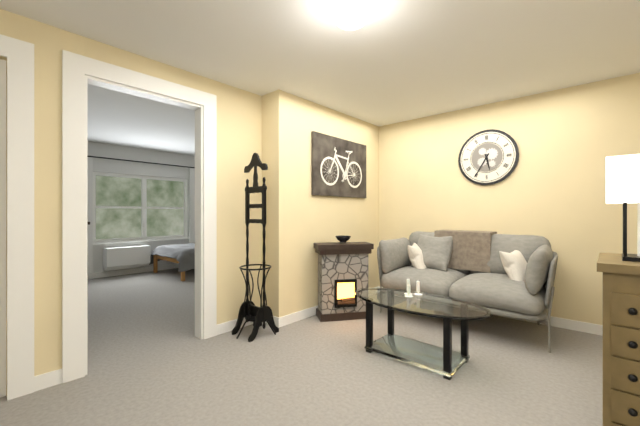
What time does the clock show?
5:35
